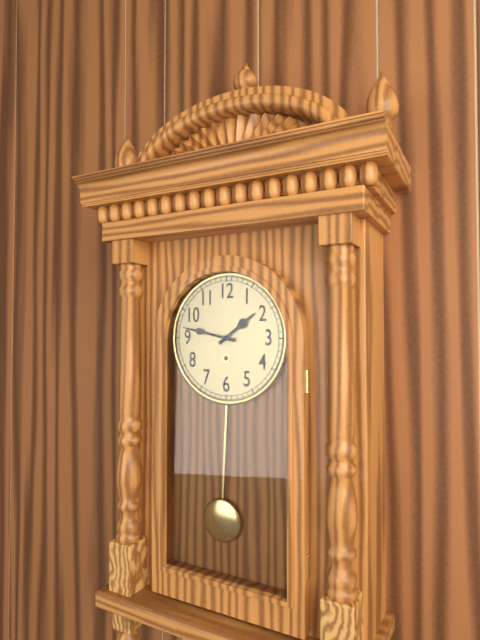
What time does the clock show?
1:47
